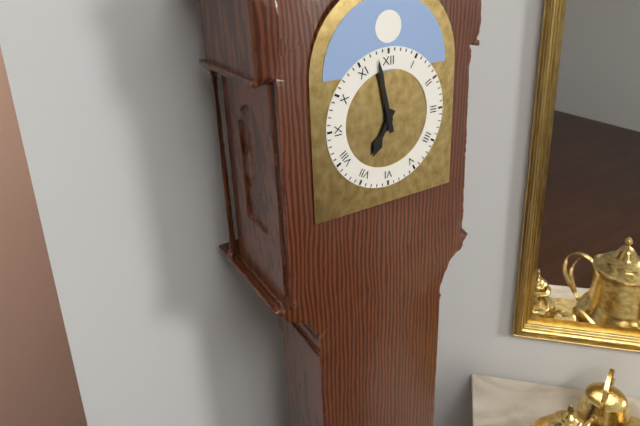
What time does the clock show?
6:58
